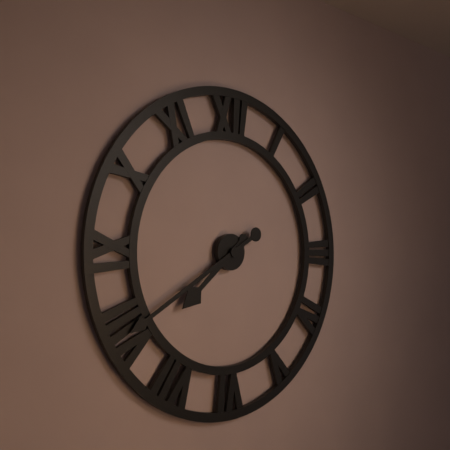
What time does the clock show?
7:40
